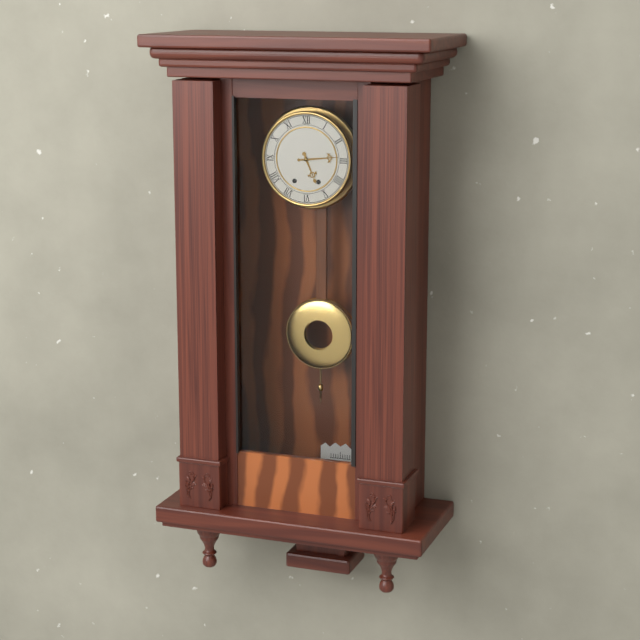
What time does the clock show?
5:14
